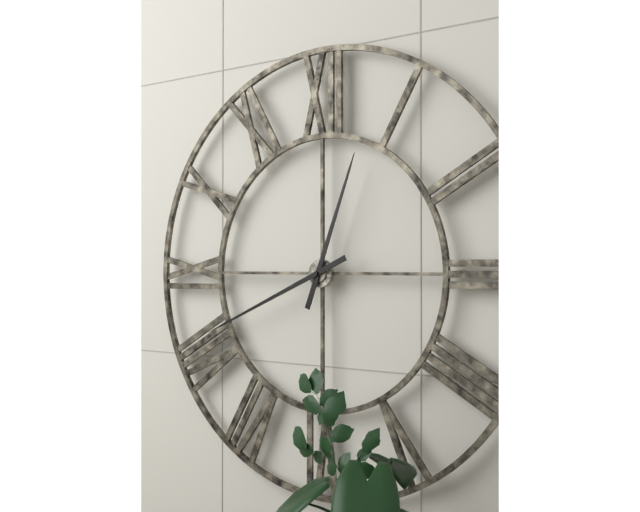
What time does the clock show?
12:41
